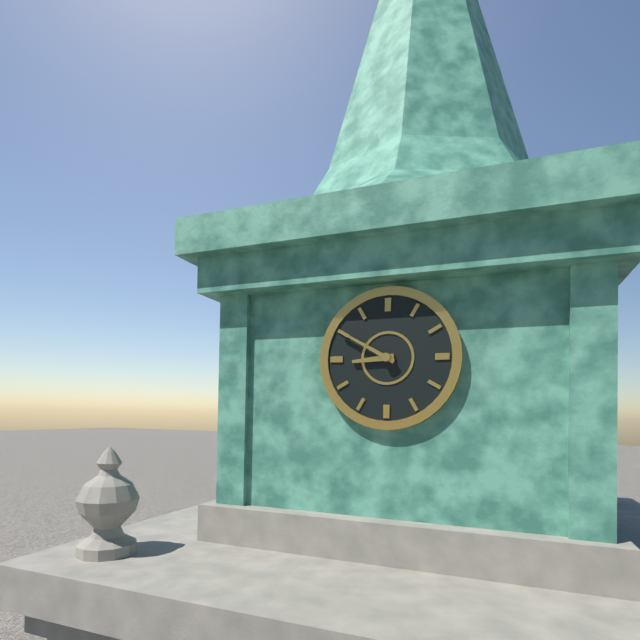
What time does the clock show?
8:50
